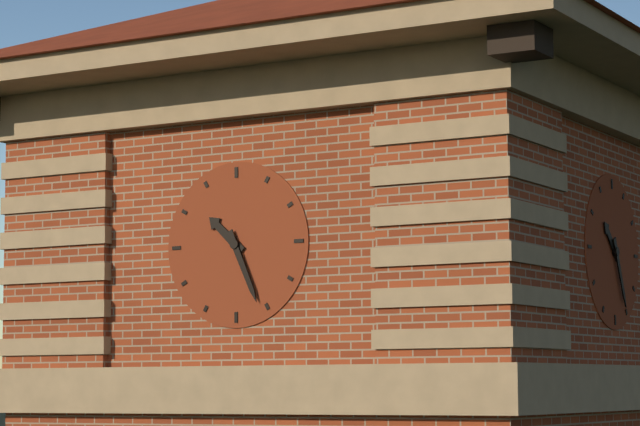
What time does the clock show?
10:26
